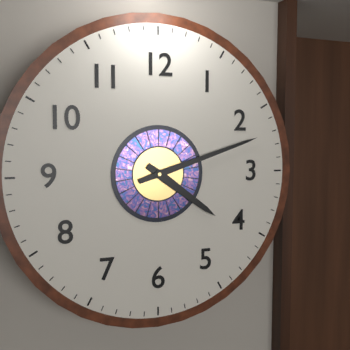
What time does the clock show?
4:12
